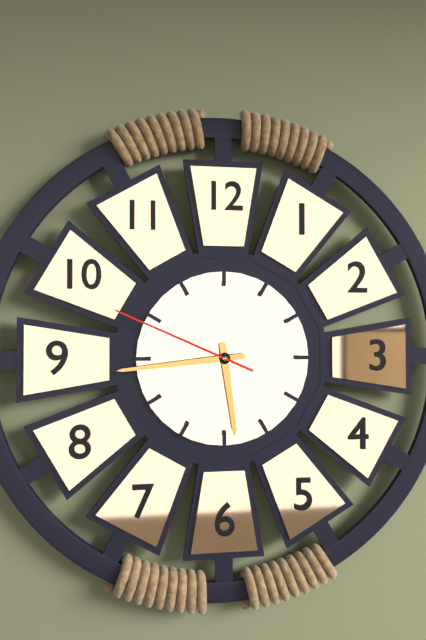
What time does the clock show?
5:44:49
